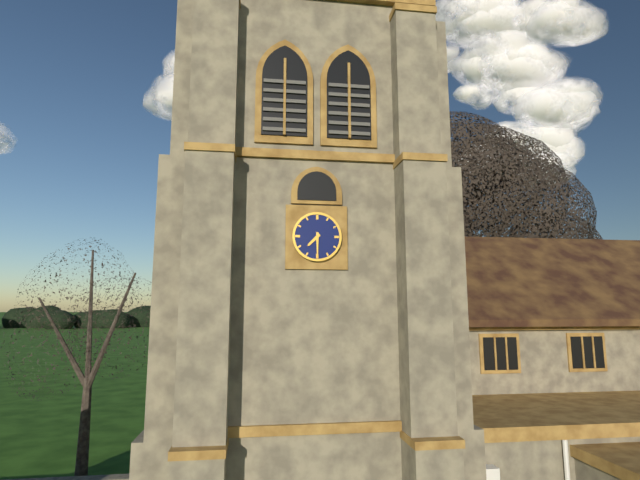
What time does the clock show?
7:30
